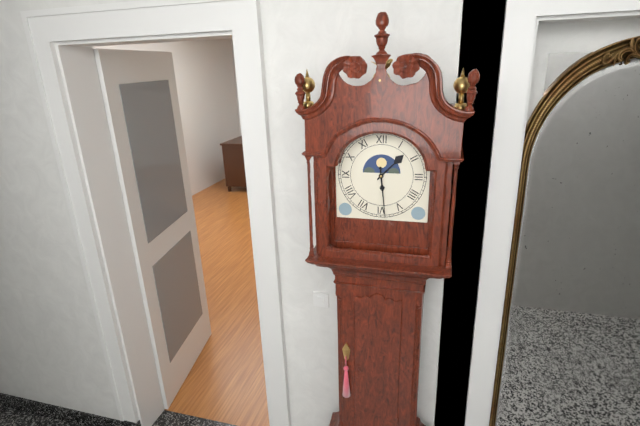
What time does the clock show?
1:29
